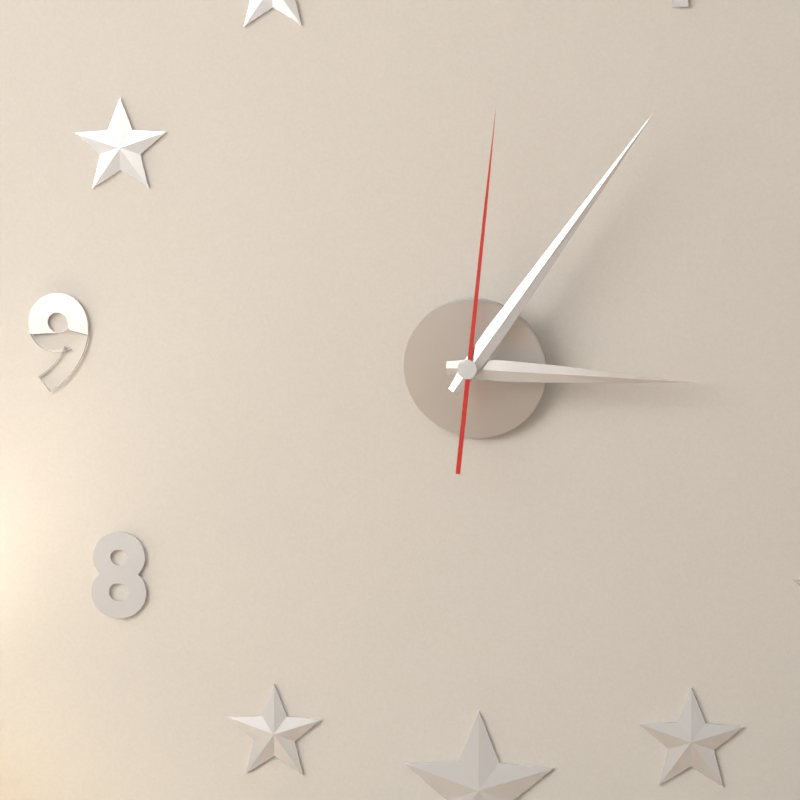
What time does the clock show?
3:06:01
